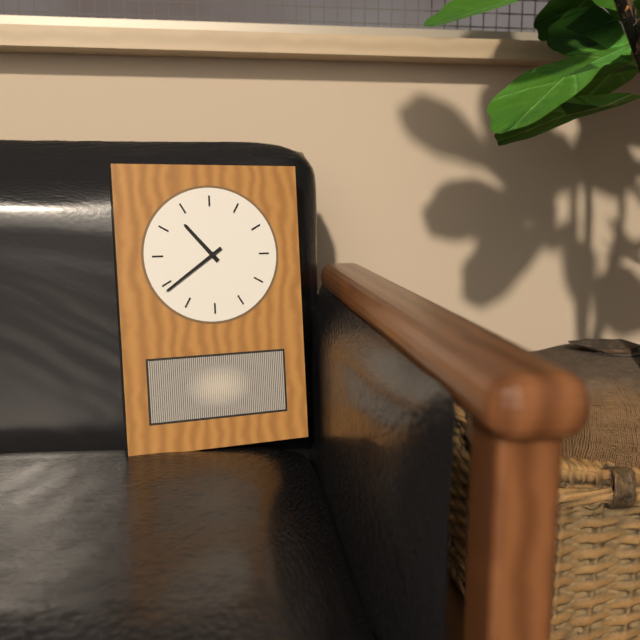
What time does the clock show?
10:39
